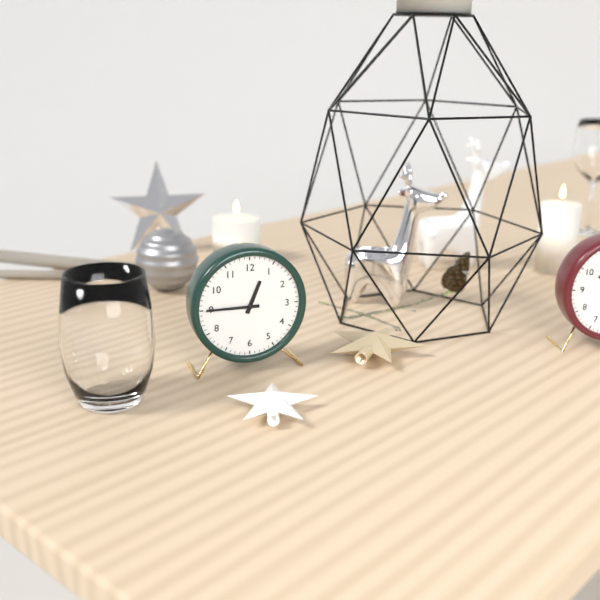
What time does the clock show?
12:45
